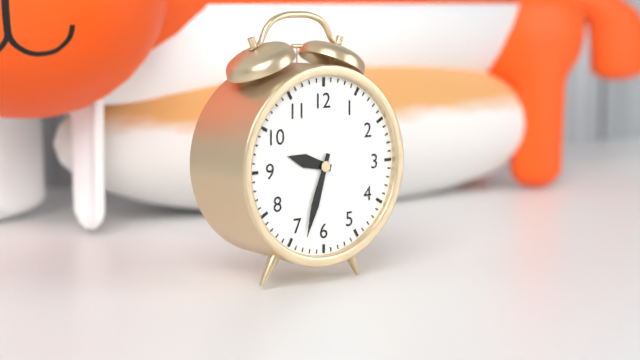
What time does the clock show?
9:33
